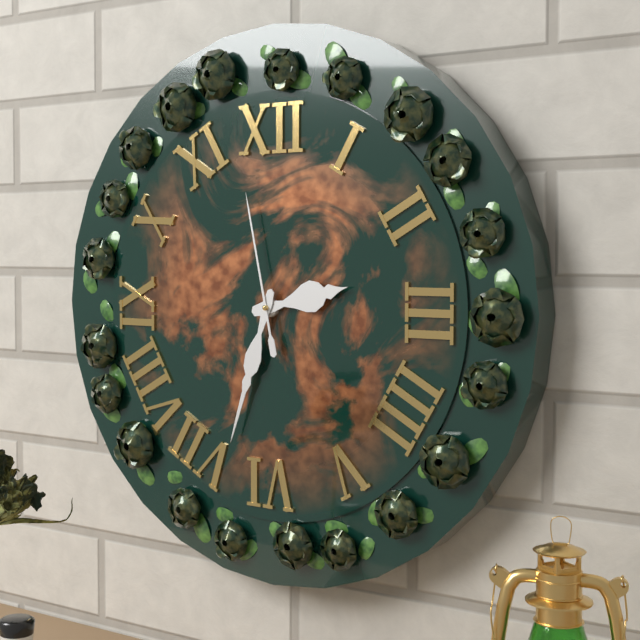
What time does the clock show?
2:33:58
